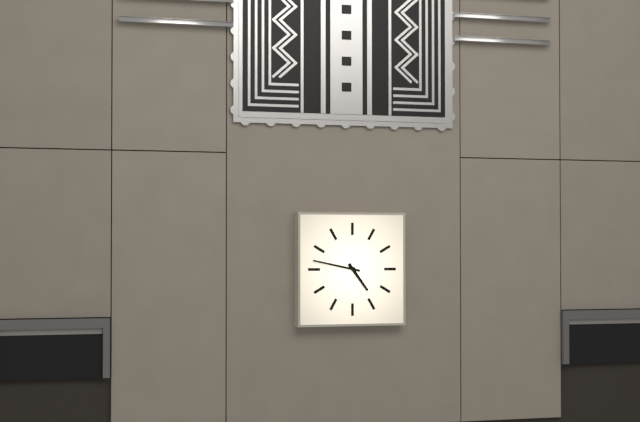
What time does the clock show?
4:47
